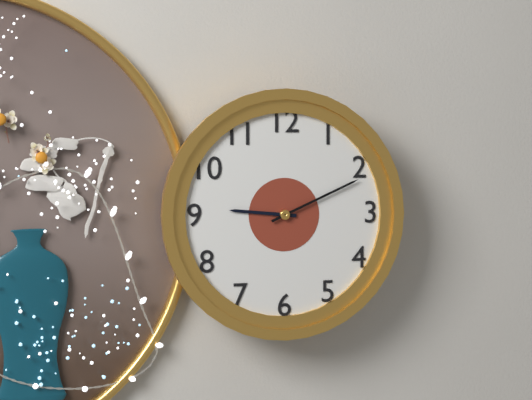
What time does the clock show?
9:11
